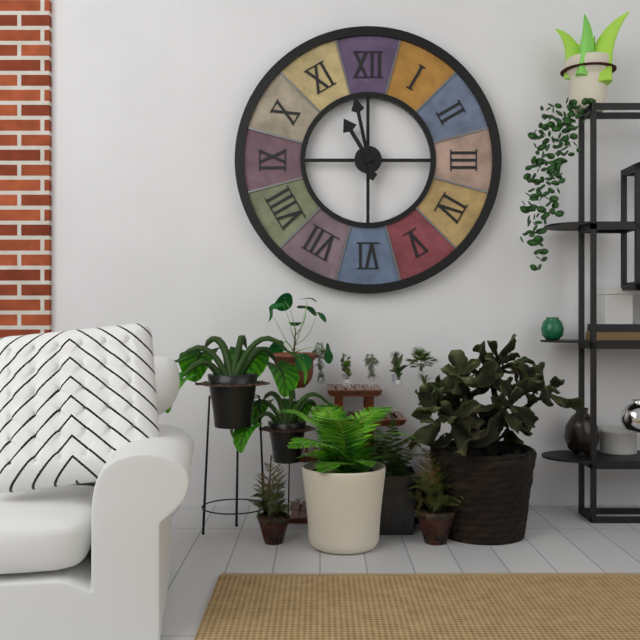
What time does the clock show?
10:58
